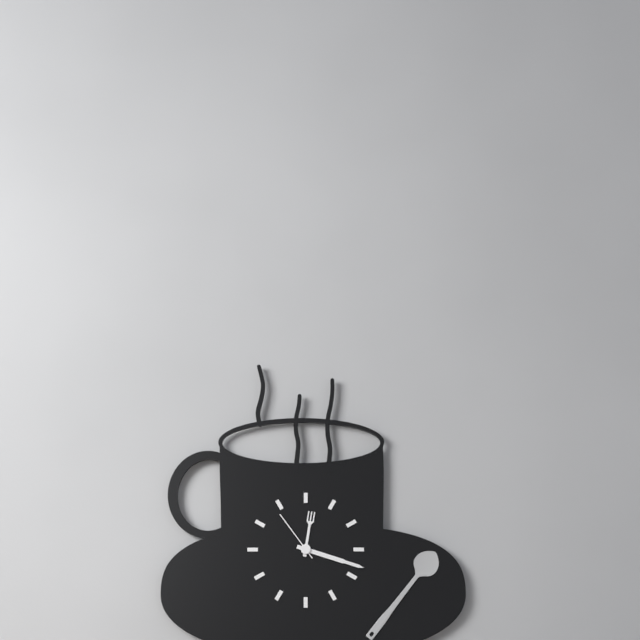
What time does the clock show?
12:18:54
